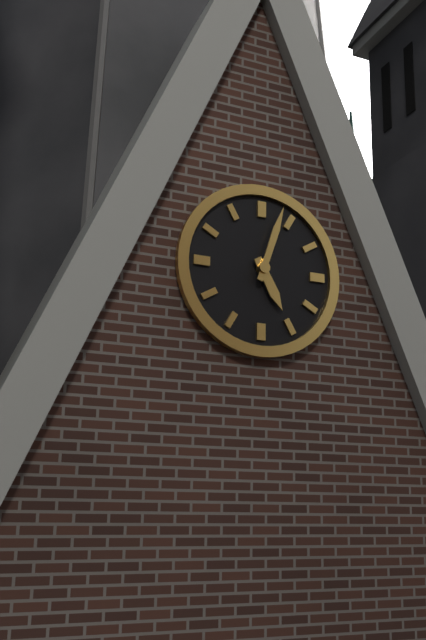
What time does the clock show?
5:03
